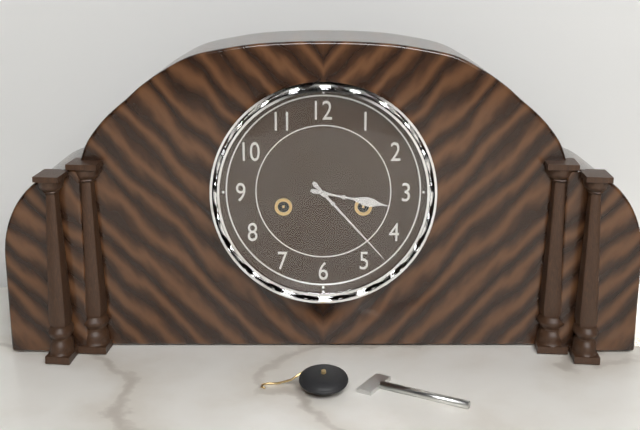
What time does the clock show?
3:23
